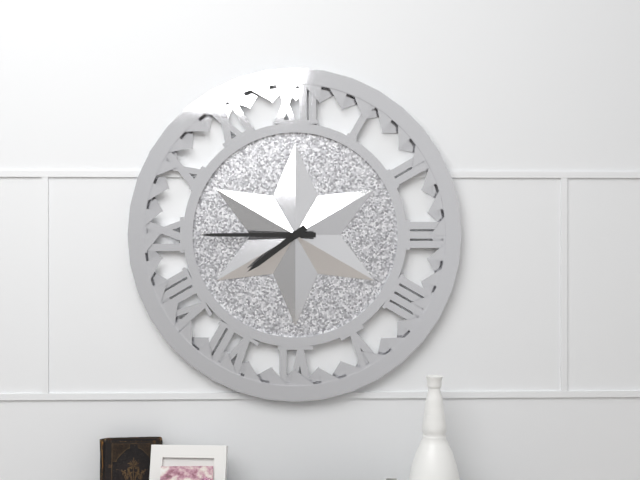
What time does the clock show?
7:45
